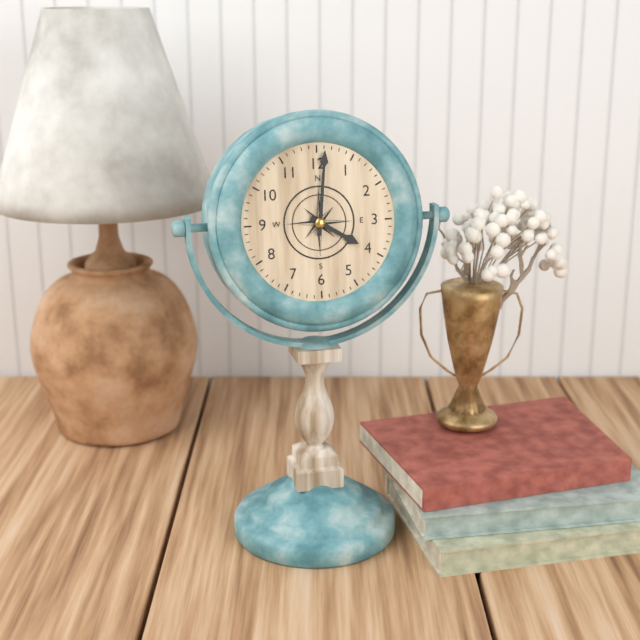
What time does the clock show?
4:01
